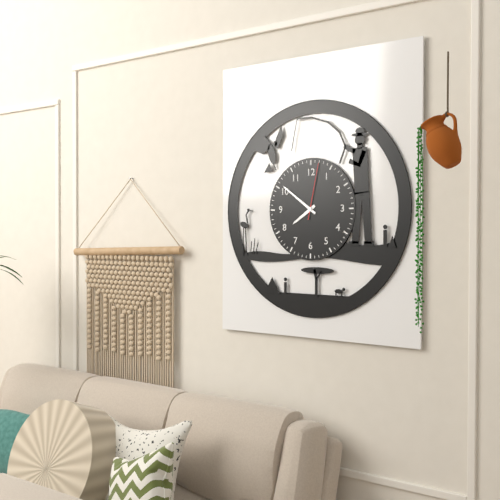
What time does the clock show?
7:51:02
